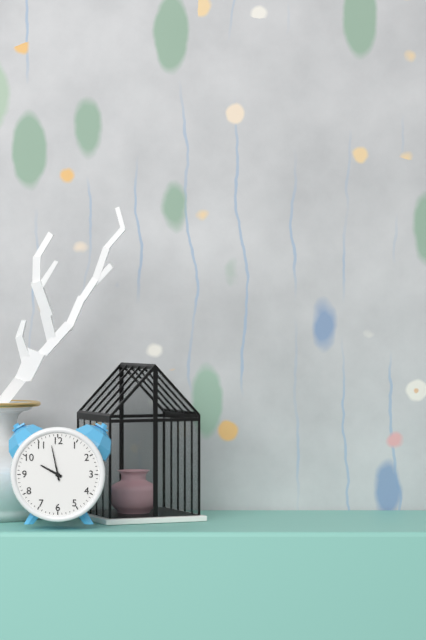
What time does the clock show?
9:58
